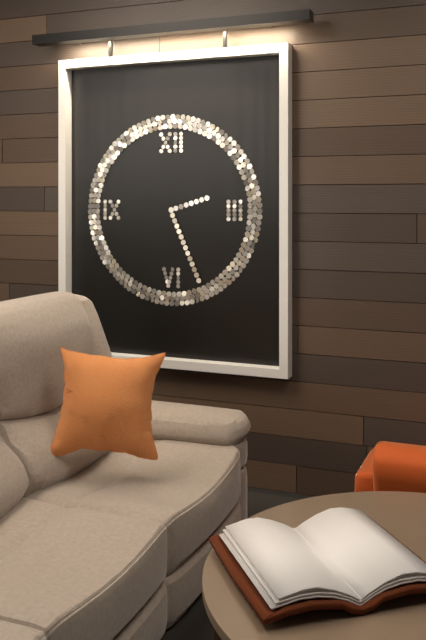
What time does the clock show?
2:26
